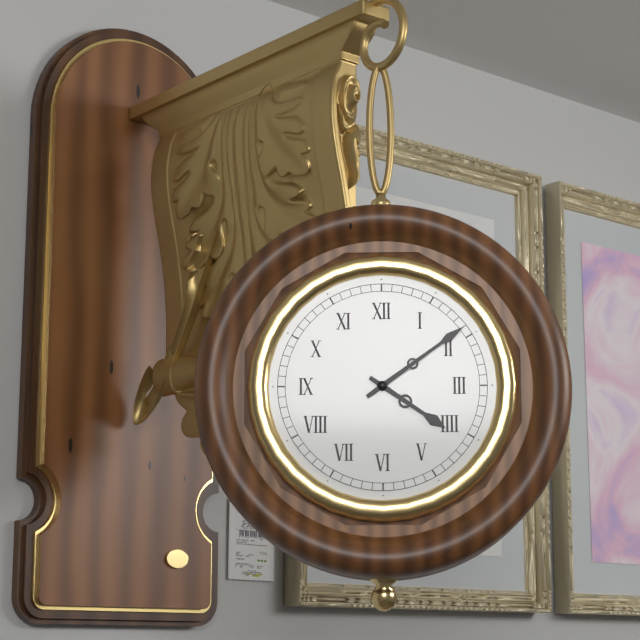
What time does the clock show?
4:09
